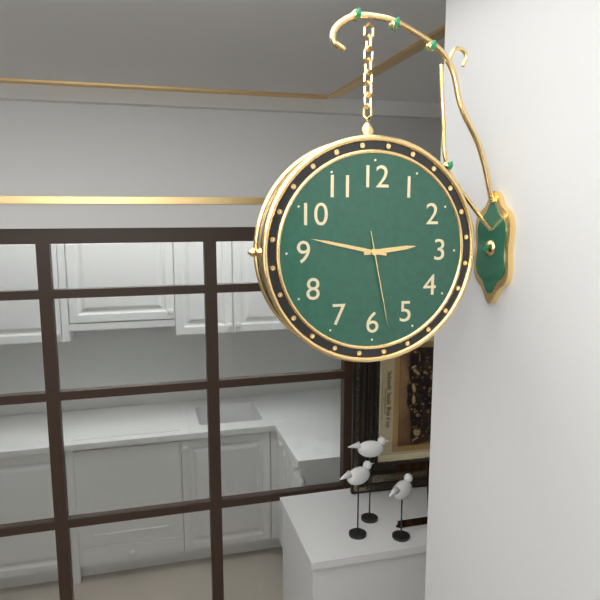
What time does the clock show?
2:47:28
